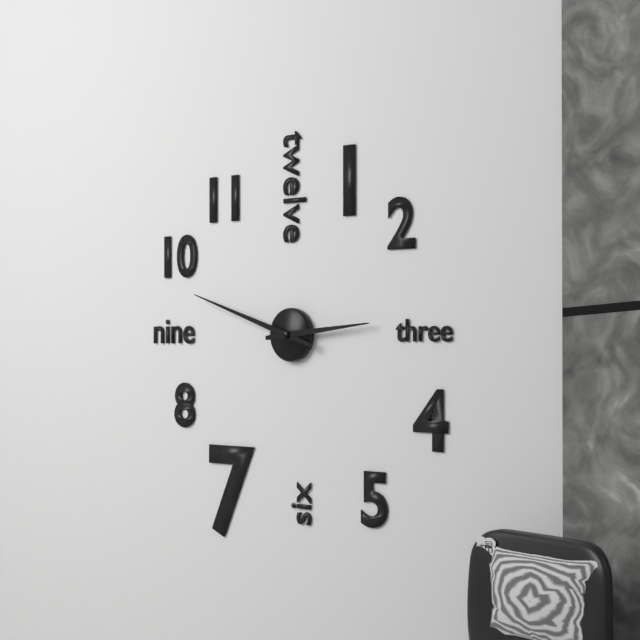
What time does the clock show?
2:48
